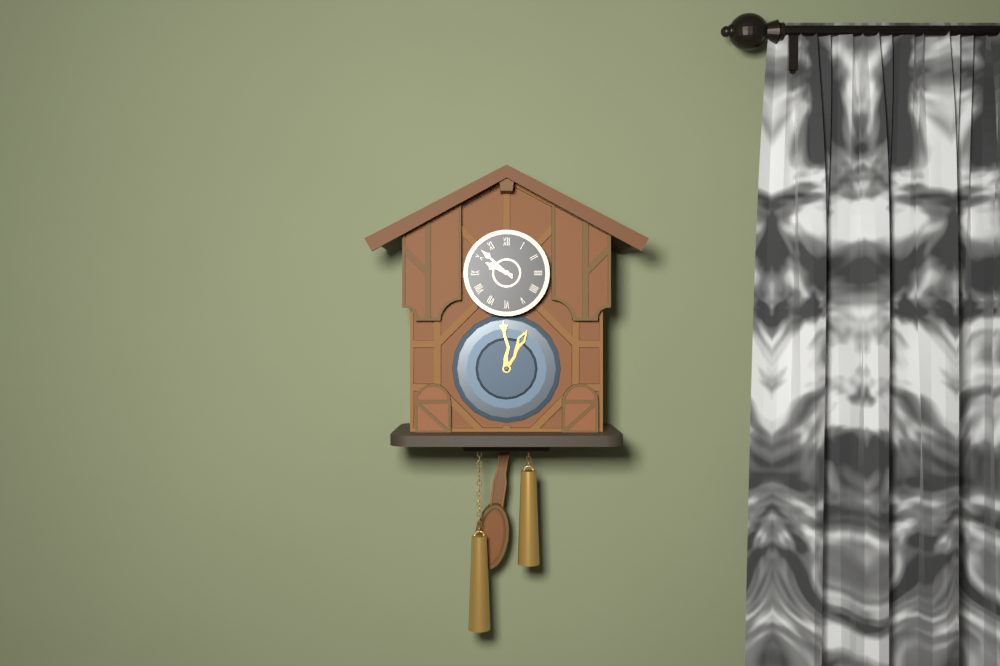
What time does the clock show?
9:52
